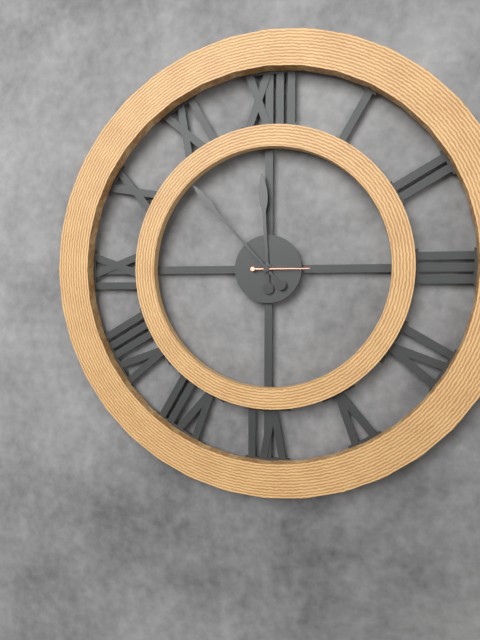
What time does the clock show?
11:53
